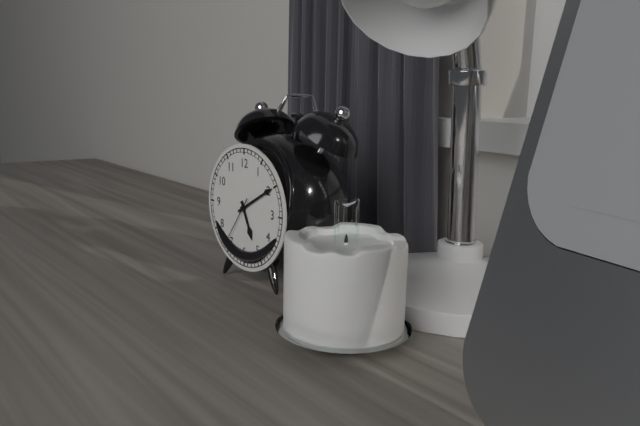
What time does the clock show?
5:10:36
